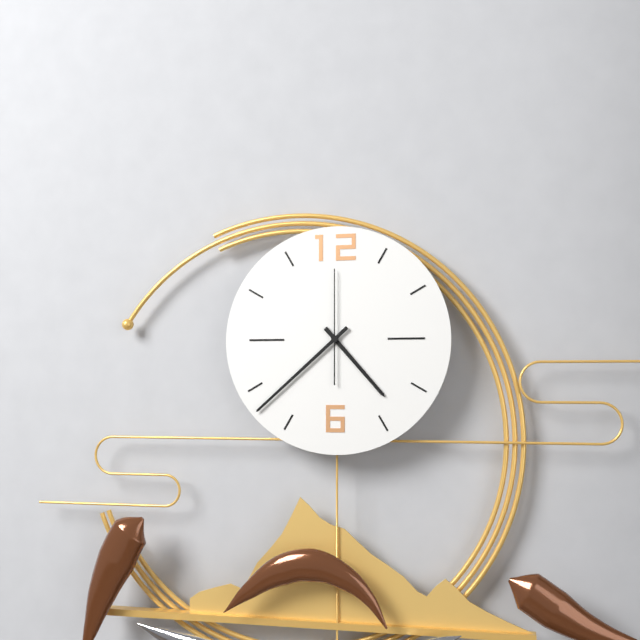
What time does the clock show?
4:38:00
